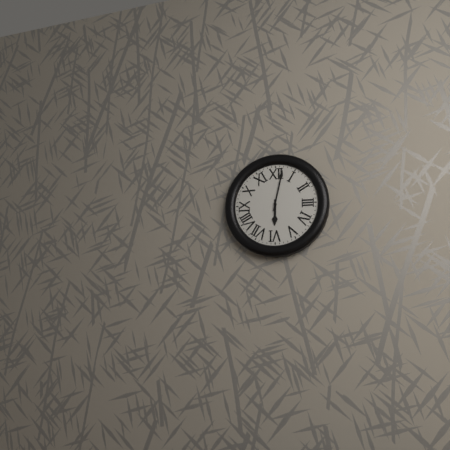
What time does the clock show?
6:02
